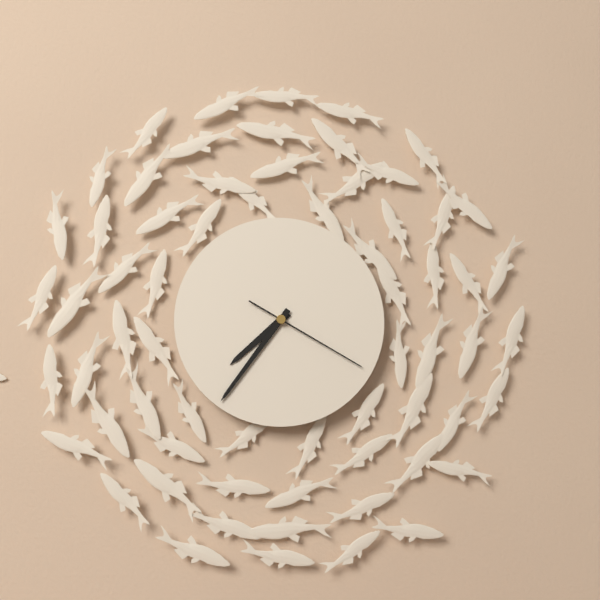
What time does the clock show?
7:36:20
